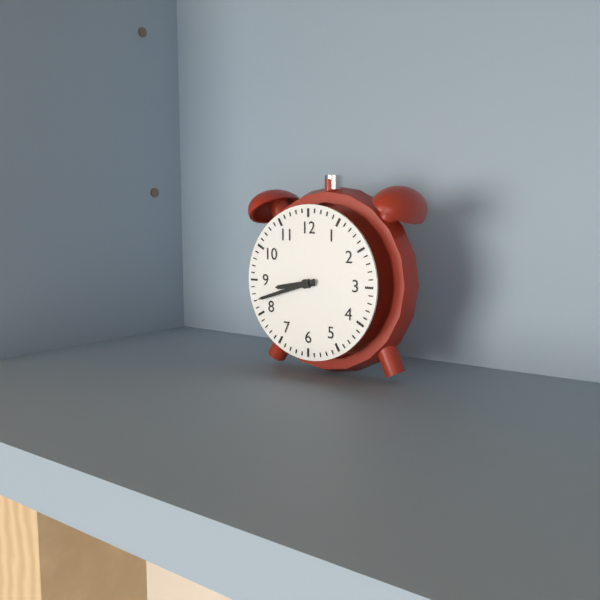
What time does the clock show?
8:42
